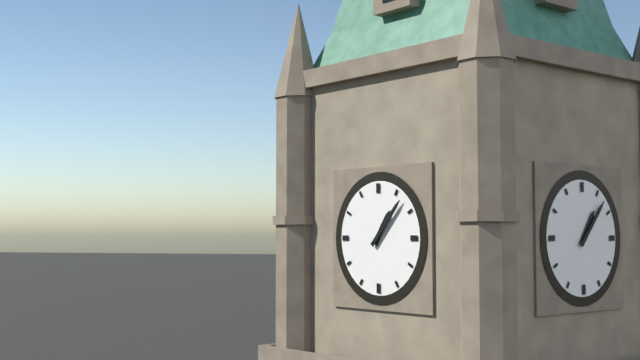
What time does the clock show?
1:07
